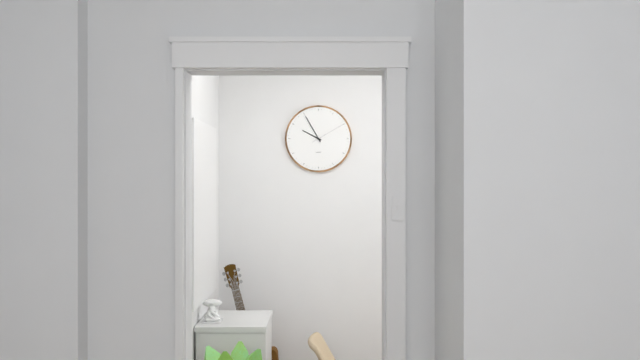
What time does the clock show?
9:55
